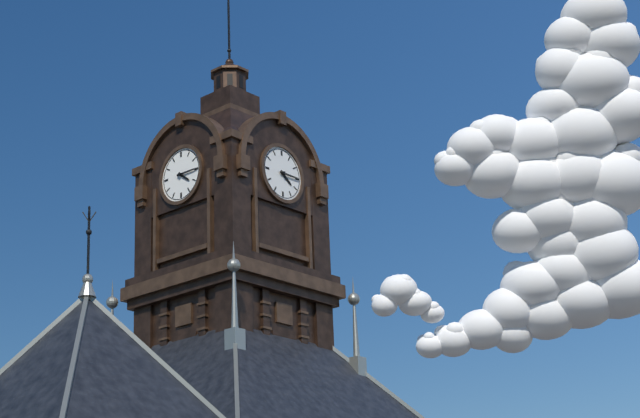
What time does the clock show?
4:15
